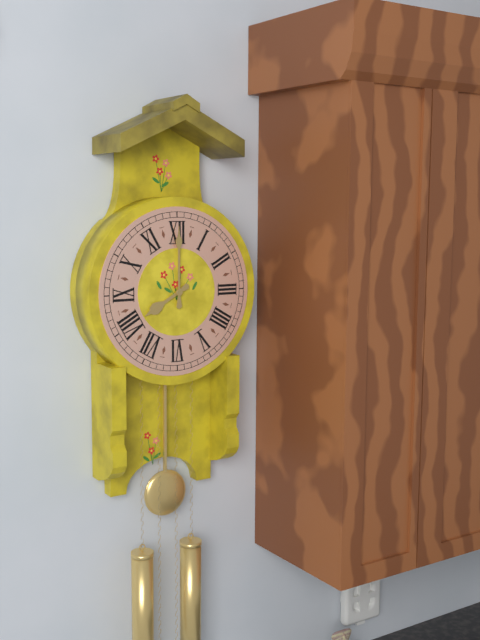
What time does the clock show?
8:00
